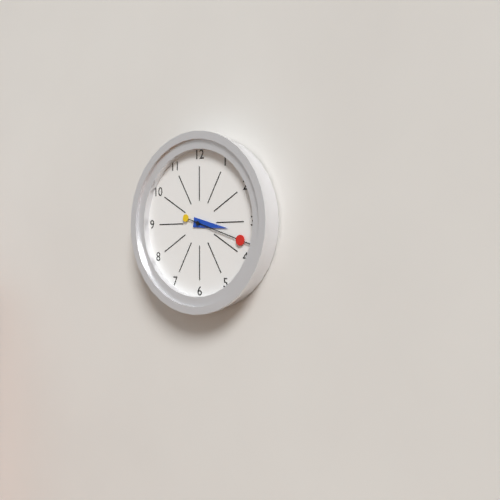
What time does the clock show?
3:18
